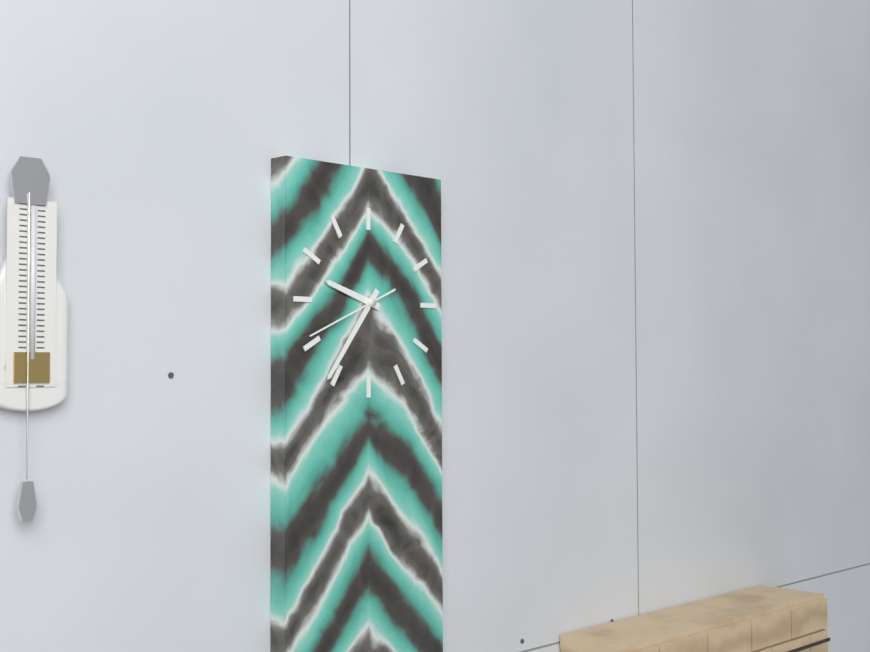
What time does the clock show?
9:36:41
